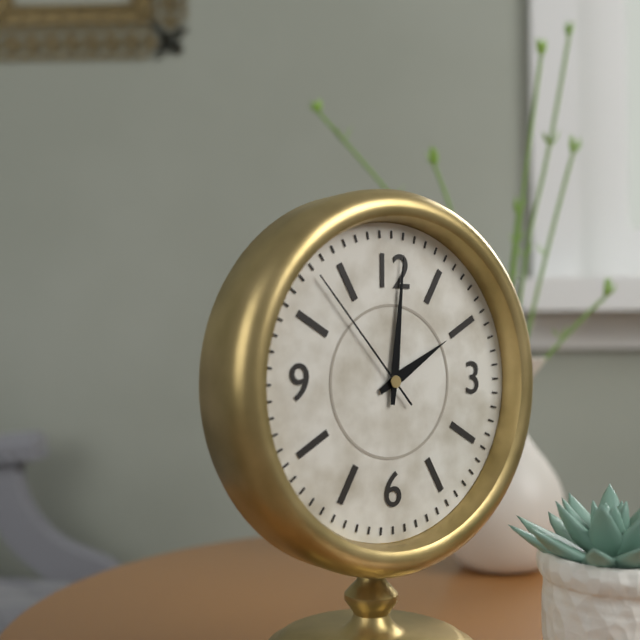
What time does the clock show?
2:01:53
